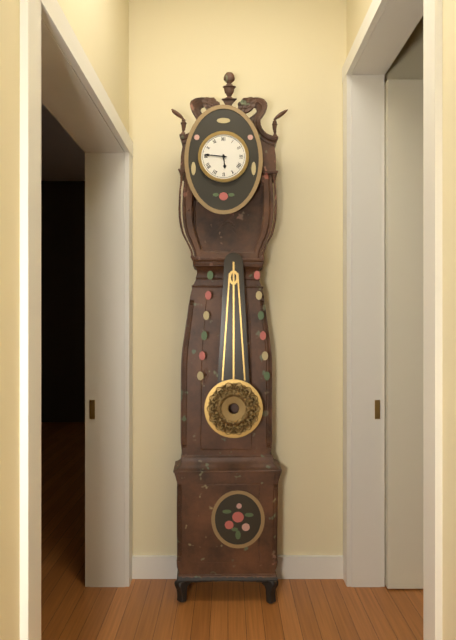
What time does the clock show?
5:46
